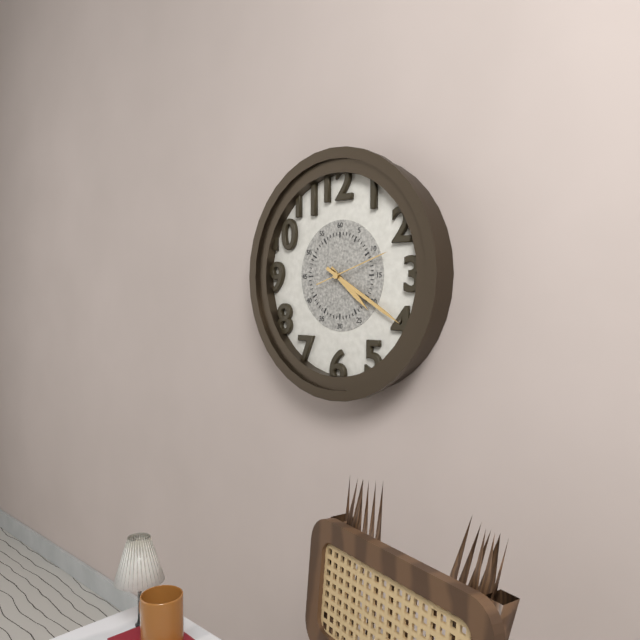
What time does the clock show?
4:20:12
